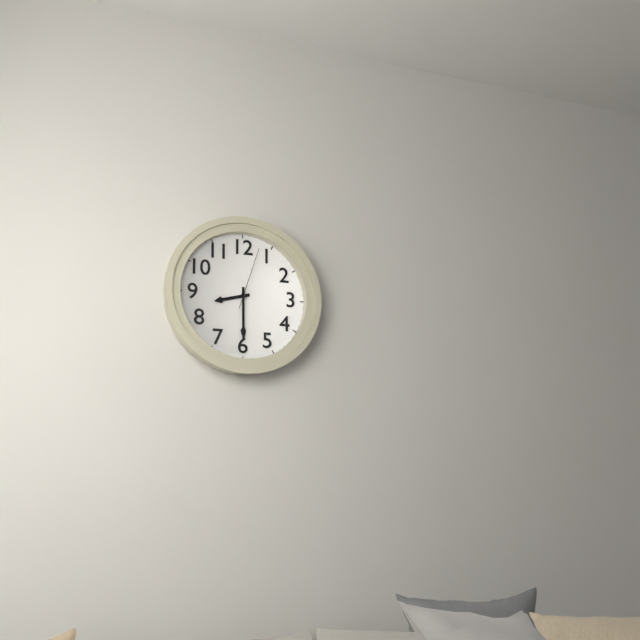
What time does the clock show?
8:30:03
